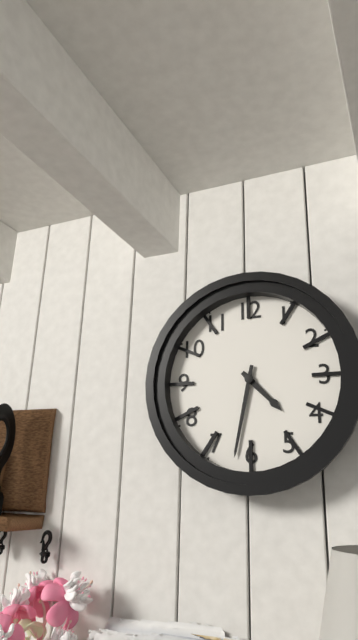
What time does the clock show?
4:32
